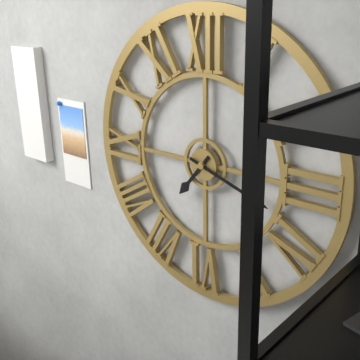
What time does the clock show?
7:18
